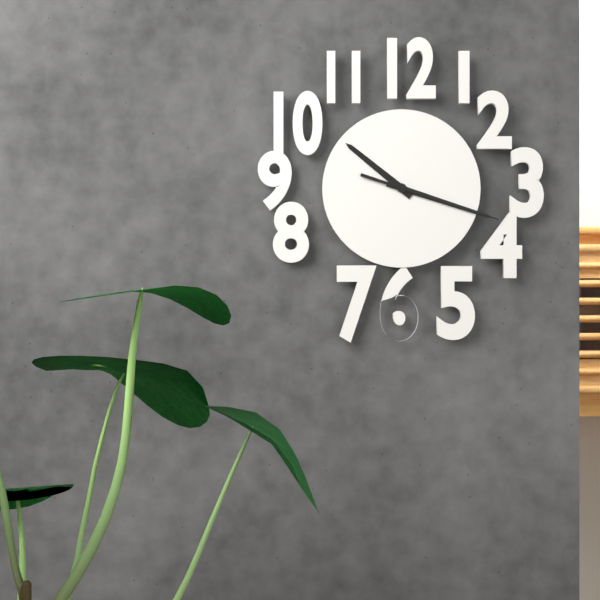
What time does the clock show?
10:18:18
